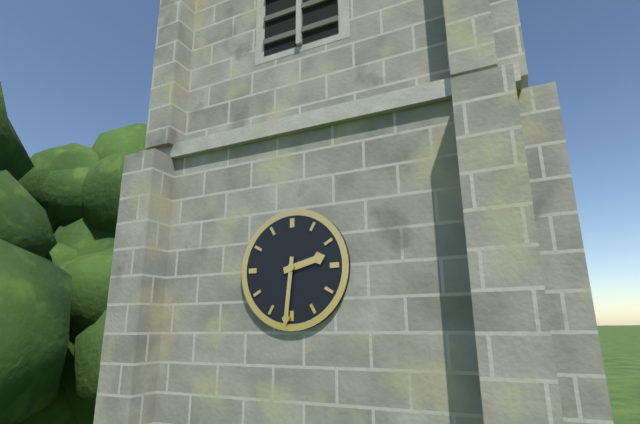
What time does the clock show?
2:31
